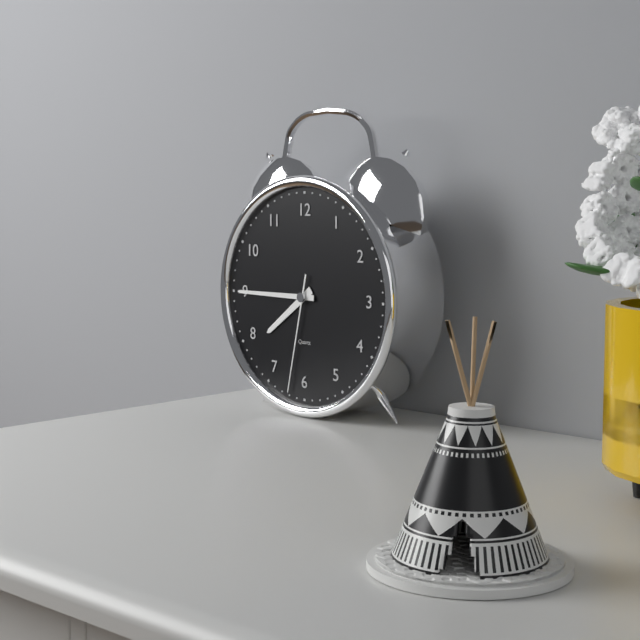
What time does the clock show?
7:45:32
